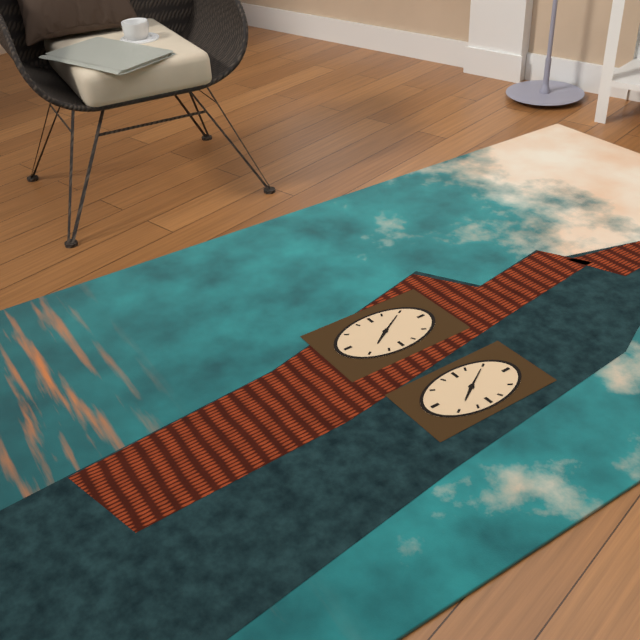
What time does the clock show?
4:55
